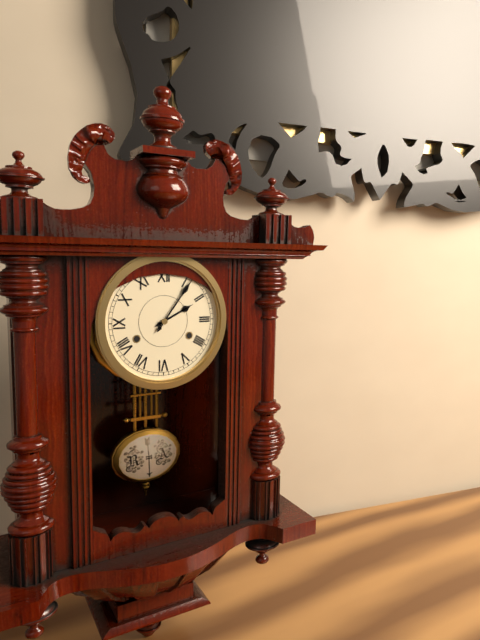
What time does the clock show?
2:06
